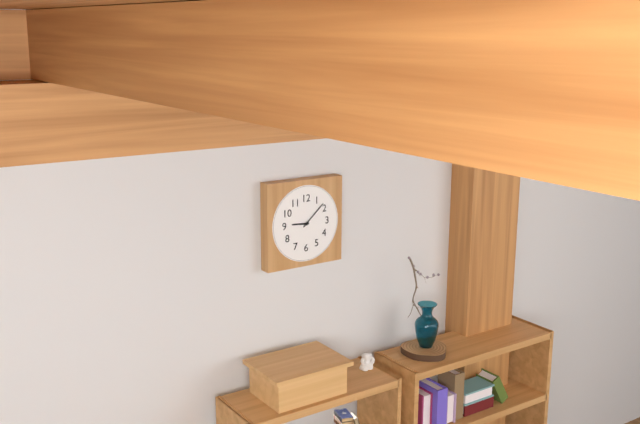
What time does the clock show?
9:08
